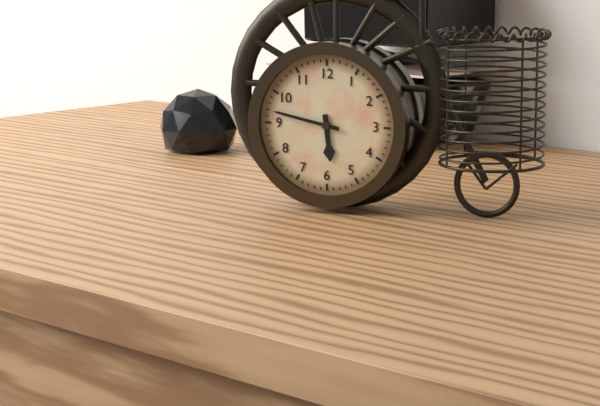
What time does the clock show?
5:47
